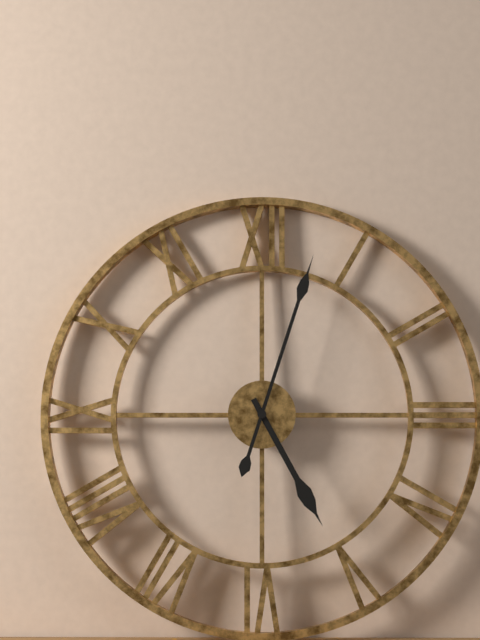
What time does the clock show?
5:03
